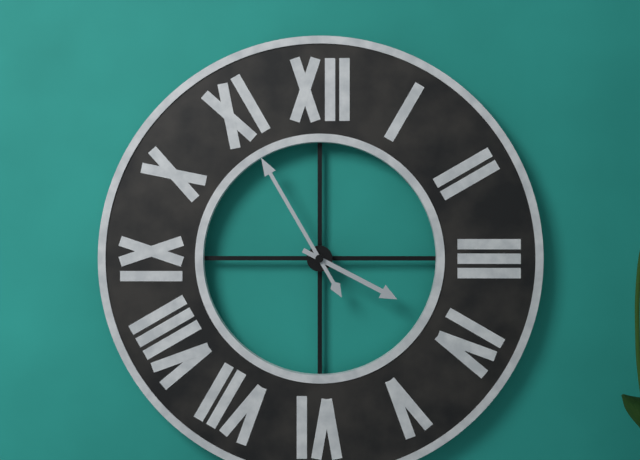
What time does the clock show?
3:55
